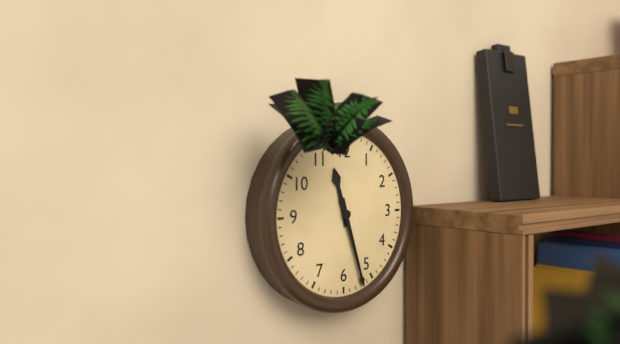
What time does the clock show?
11:27
